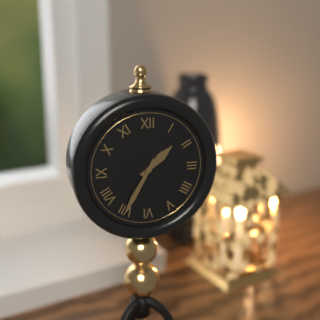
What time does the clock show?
1:35
